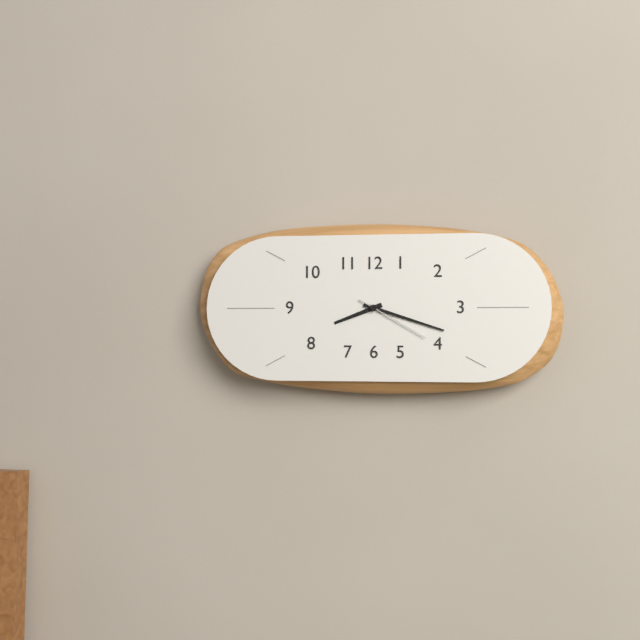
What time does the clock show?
8:18:20
